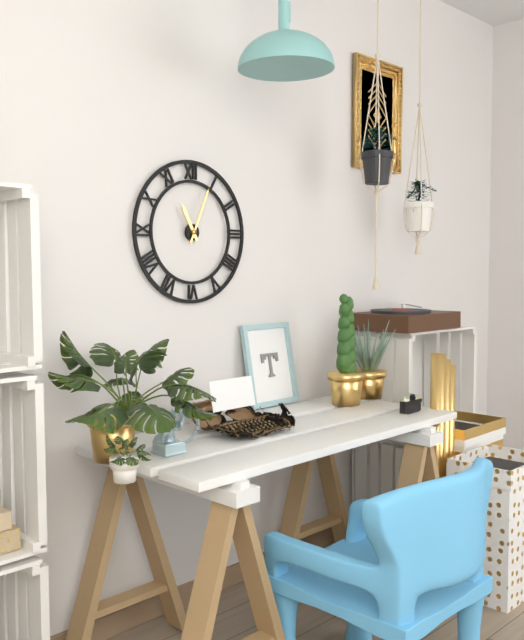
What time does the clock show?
11:04
